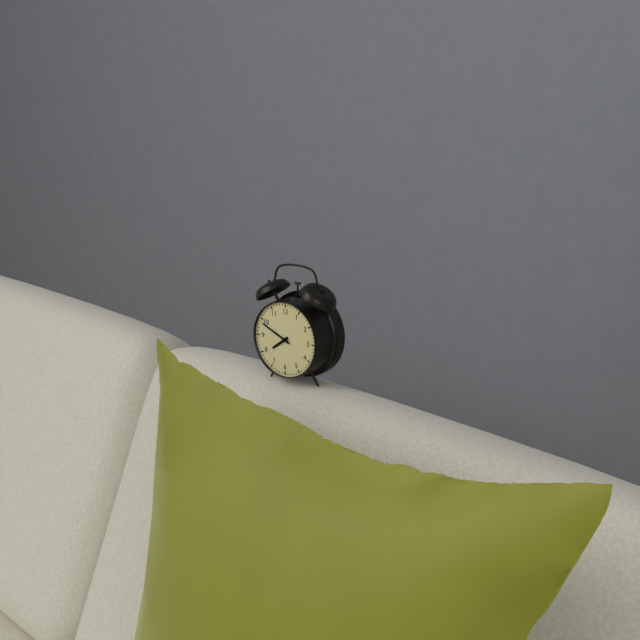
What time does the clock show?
7:49
